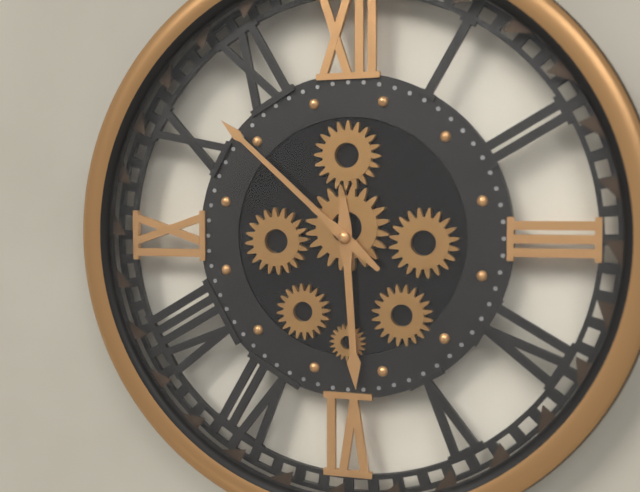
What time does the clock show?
5:52
